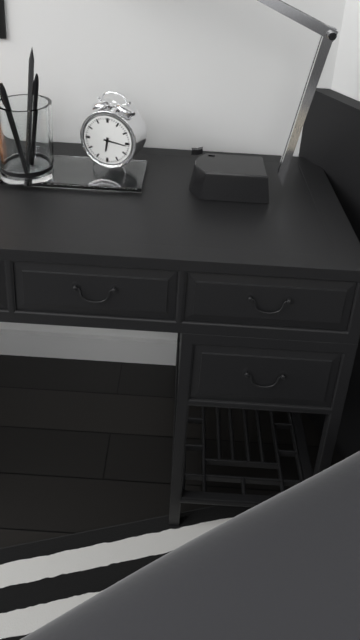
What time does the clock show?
6:16
